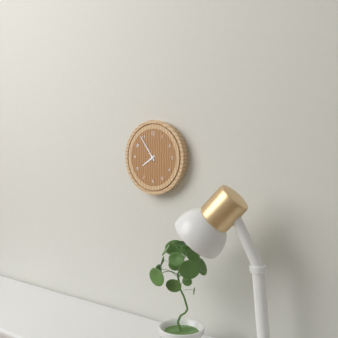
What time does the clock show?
7:54
